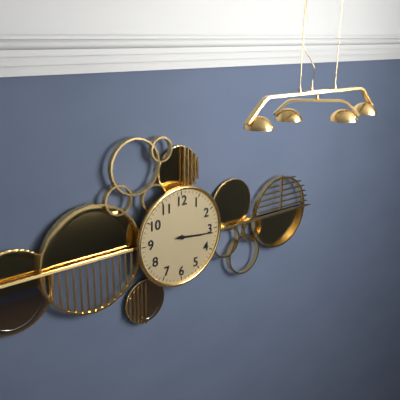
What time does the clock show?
3:16
